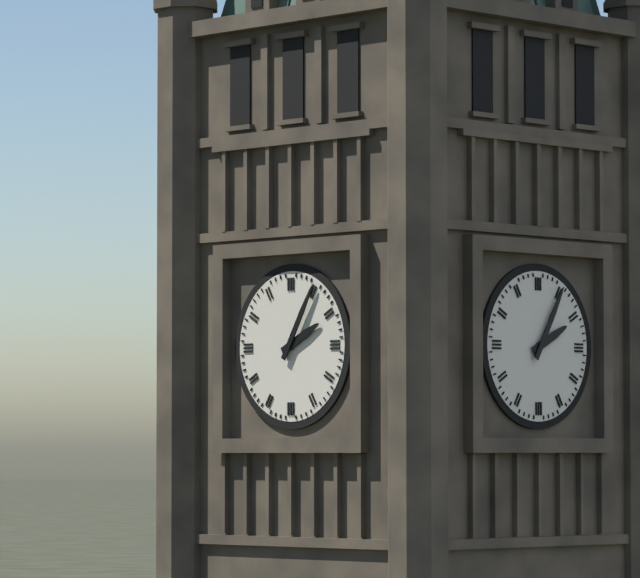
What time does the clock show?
2:05
